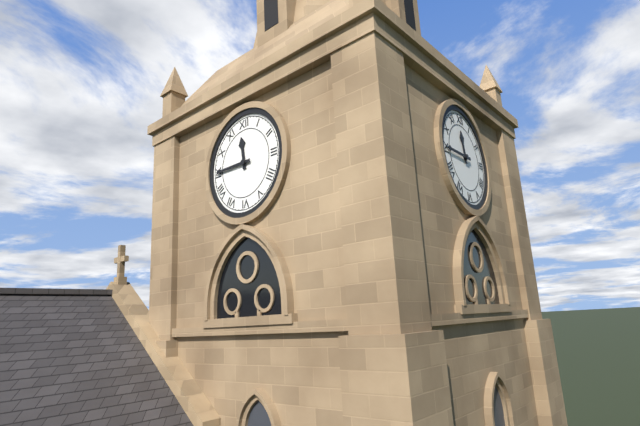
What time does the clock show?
11:45
